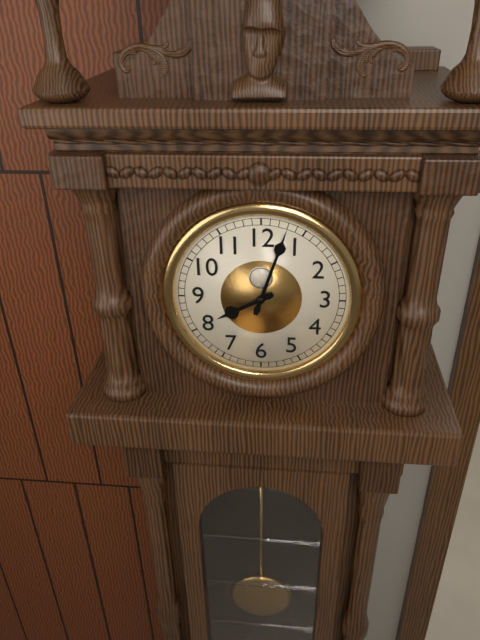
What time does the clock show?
8:03
